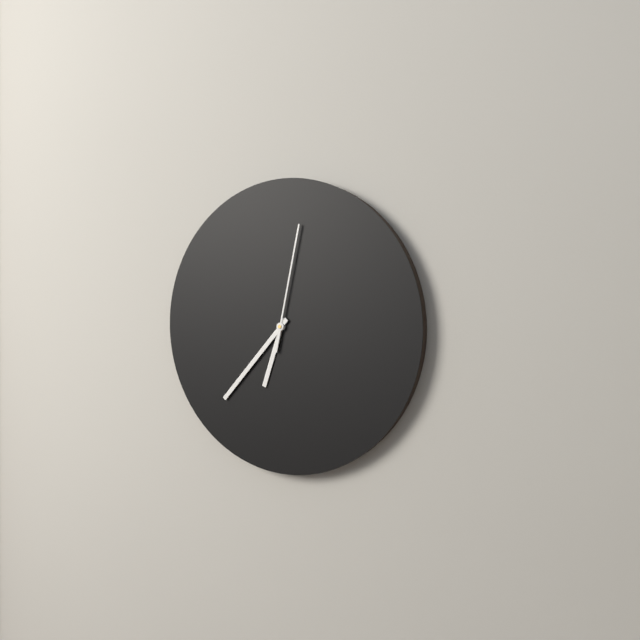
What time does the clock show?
6:37:02
